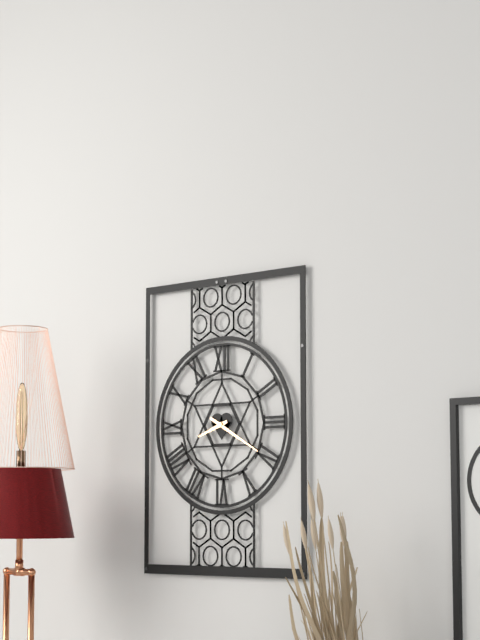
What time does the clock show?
8:20
